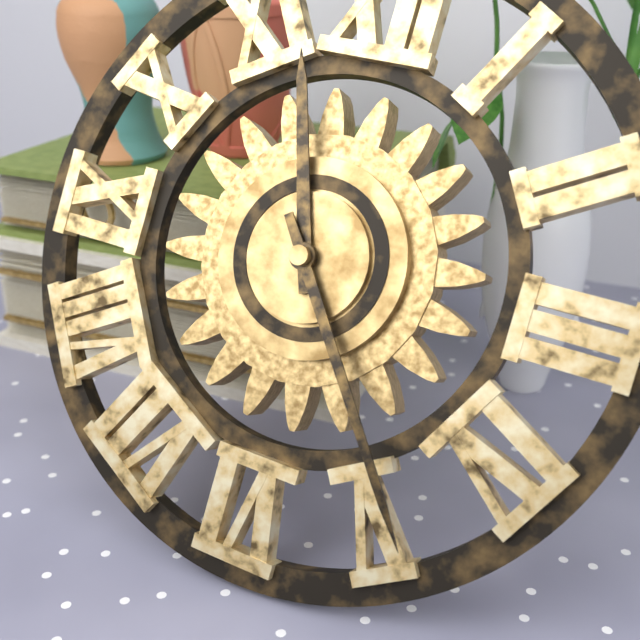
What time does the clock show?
11:24
